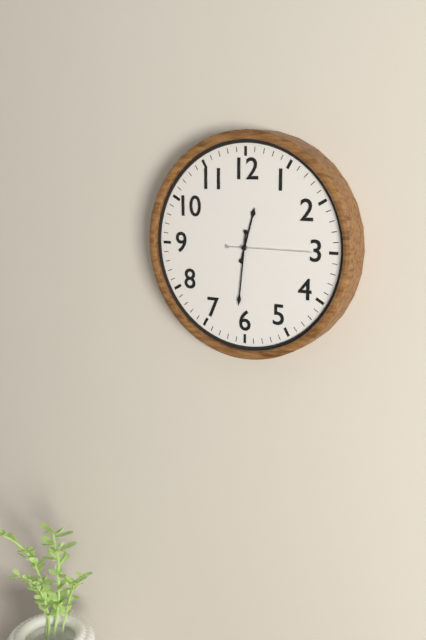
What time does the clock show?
12:31:15
